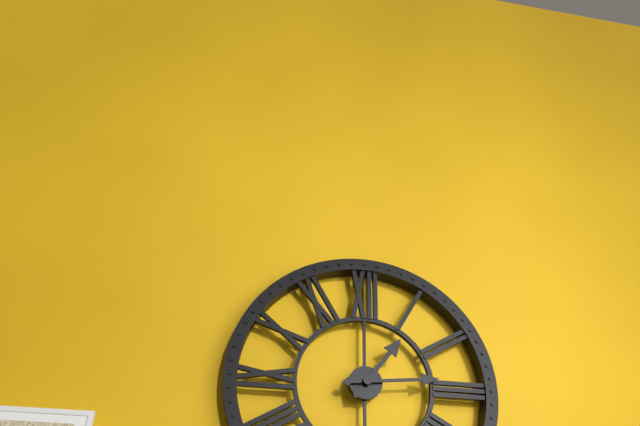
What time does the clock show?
1:14
